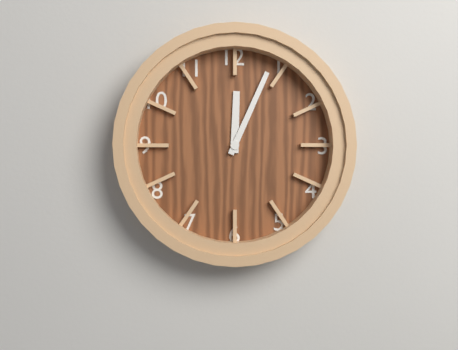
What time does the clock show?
12:04
